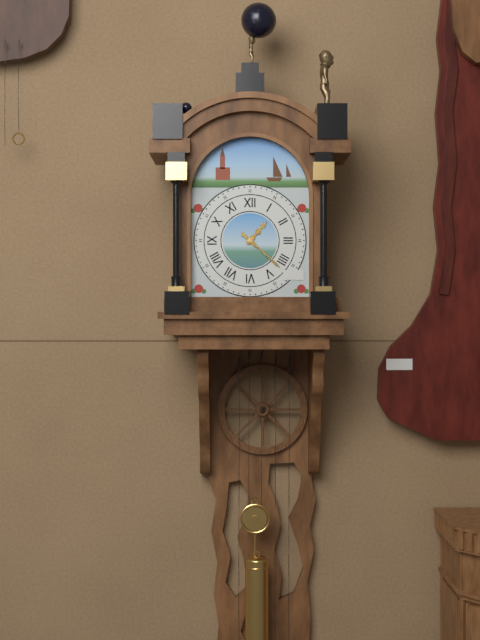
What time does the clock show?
1:22
